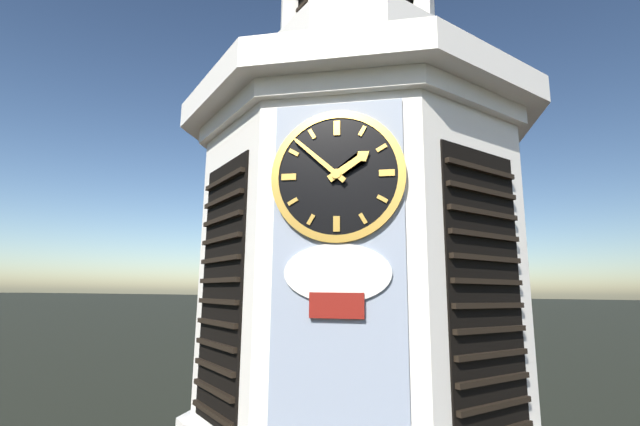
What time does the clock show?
1:52
